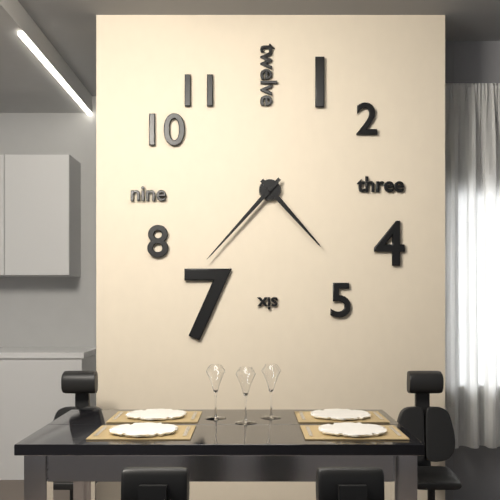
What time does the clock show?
4:37
